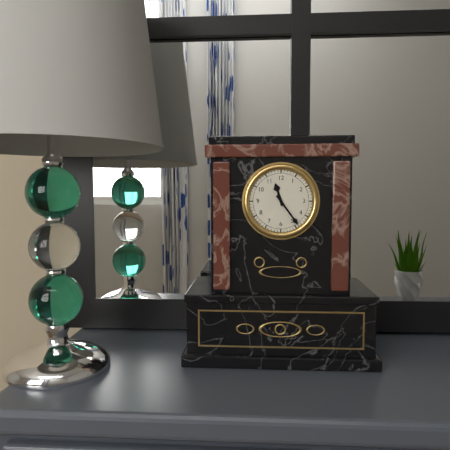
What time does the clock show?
11:24
